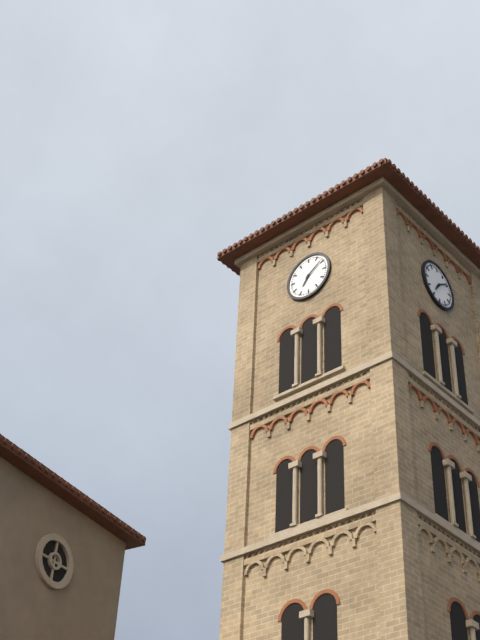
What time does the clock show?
7:09
